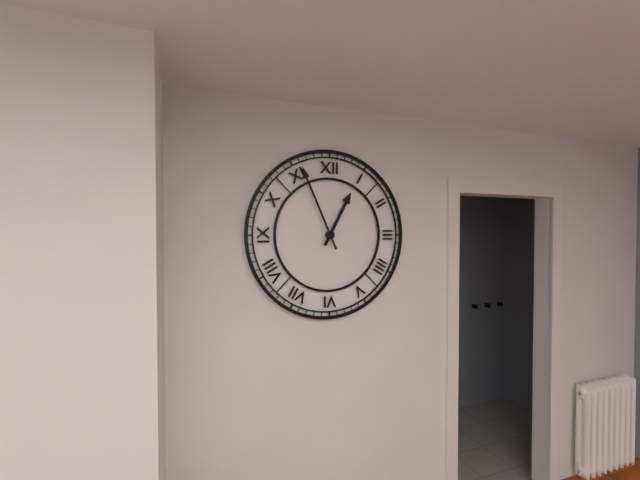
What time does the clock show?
12:56
